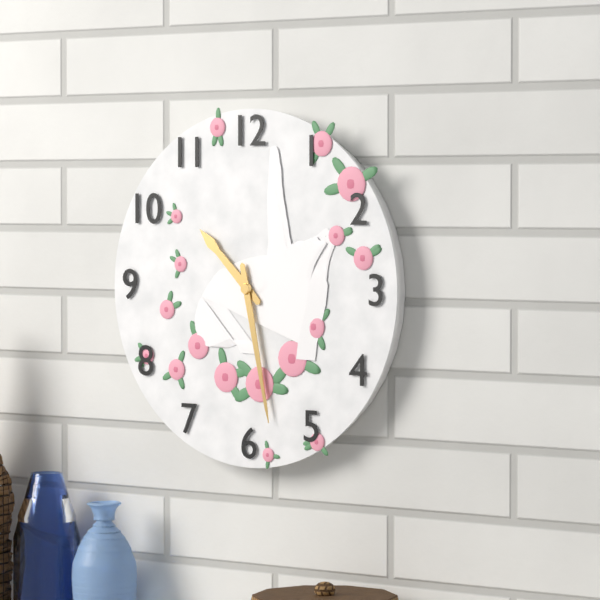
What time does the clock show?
10:28
